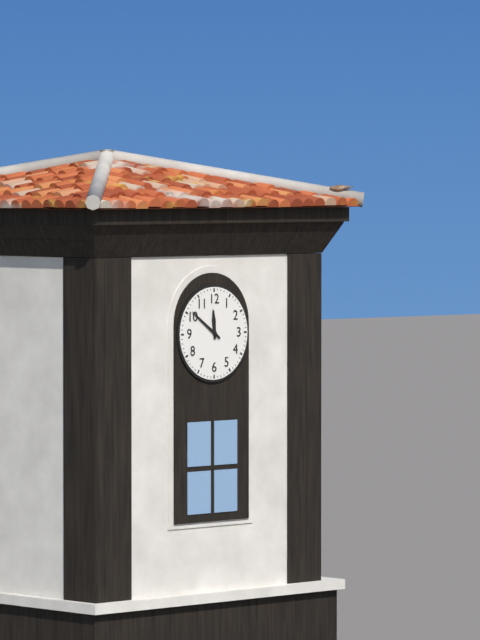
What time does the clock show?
11:51
